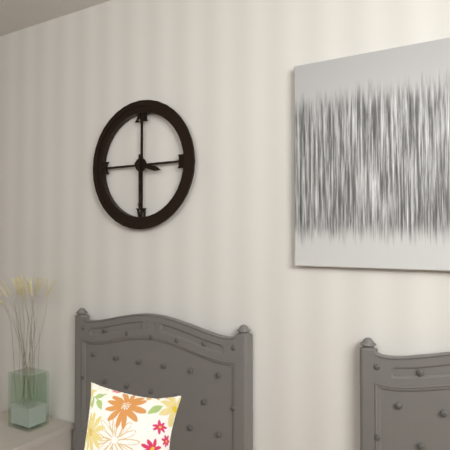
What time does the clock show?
3:30
